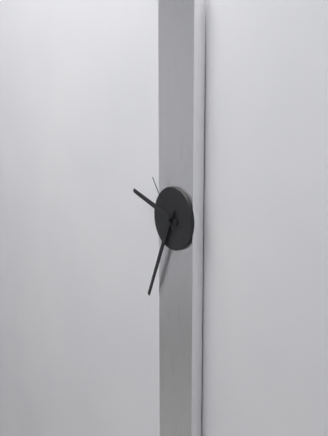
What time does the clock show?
9:34:54
